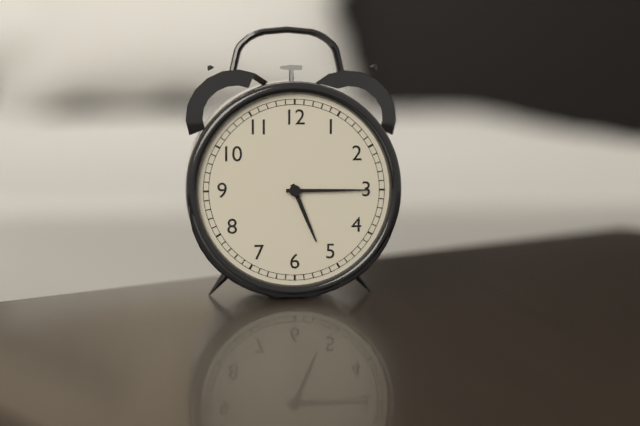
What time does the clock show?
5:15
